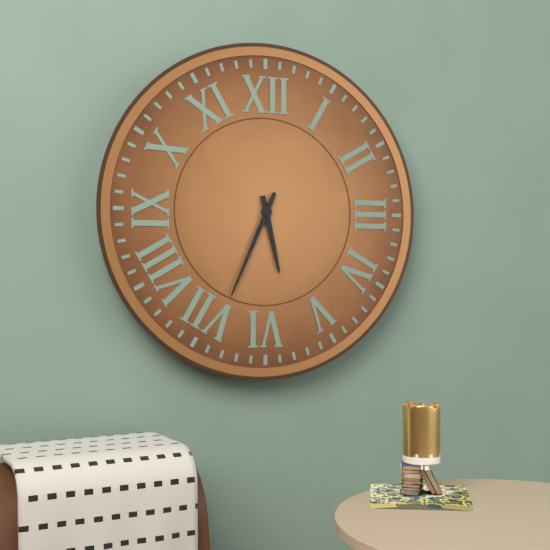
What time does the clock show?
5:34
